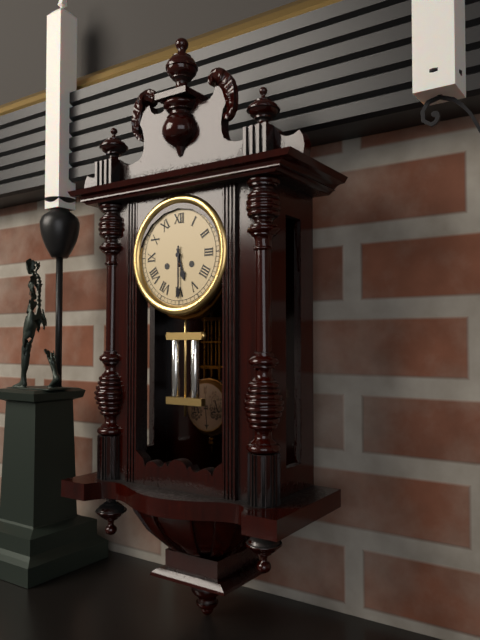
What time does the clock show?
5:30
